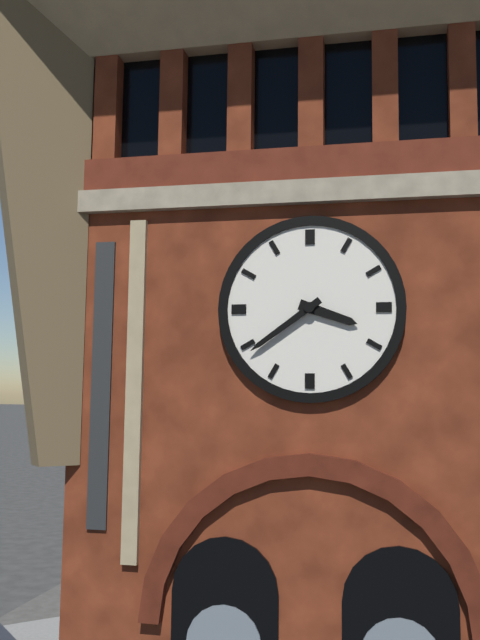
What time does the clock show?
3:39
